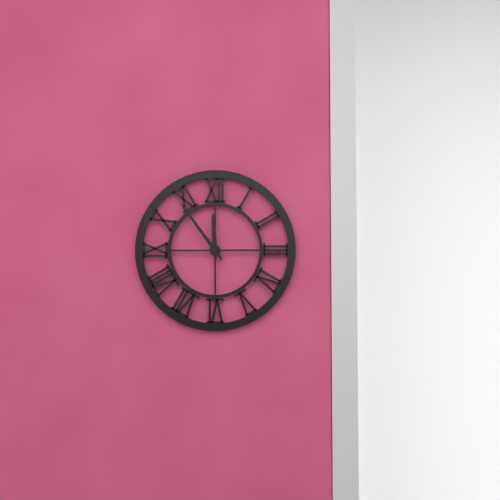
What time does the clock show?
11:54
